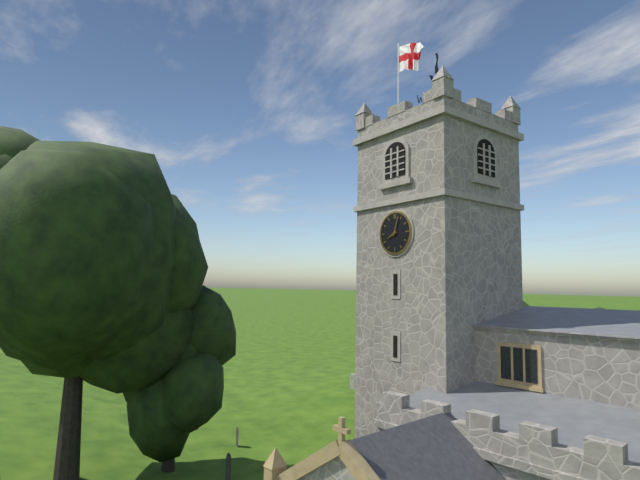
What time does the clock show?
8:03
